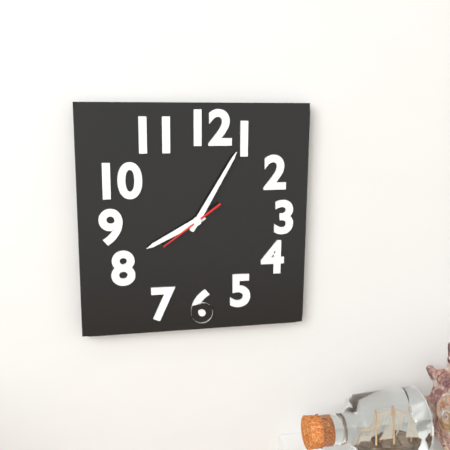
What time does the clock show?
8:05:39
